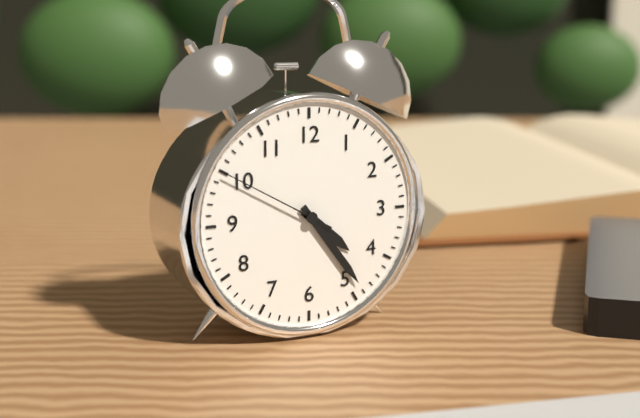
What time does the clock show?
4:24:50
